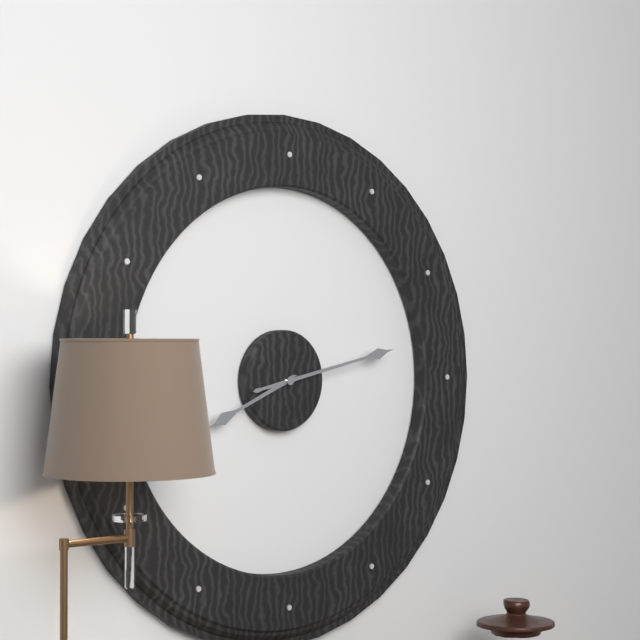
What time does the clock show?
8:13
